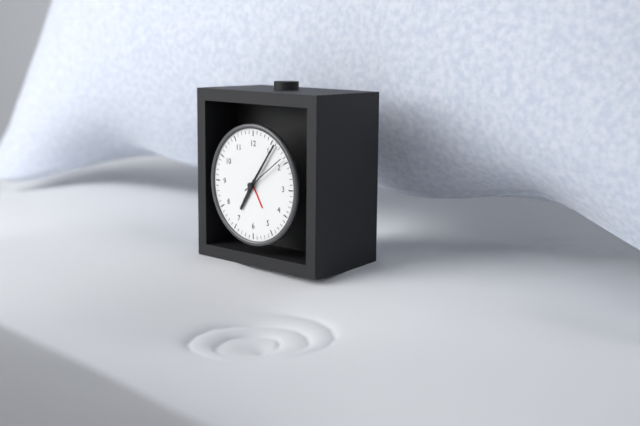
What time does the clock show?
7:06
